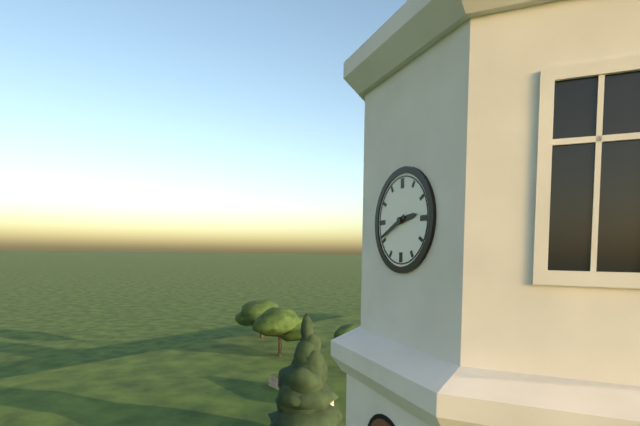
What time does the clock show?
2:41
